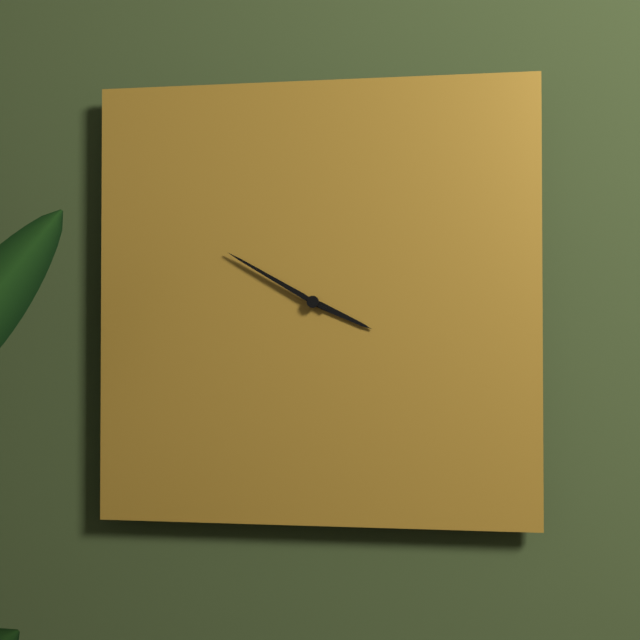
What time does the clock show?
3:50
